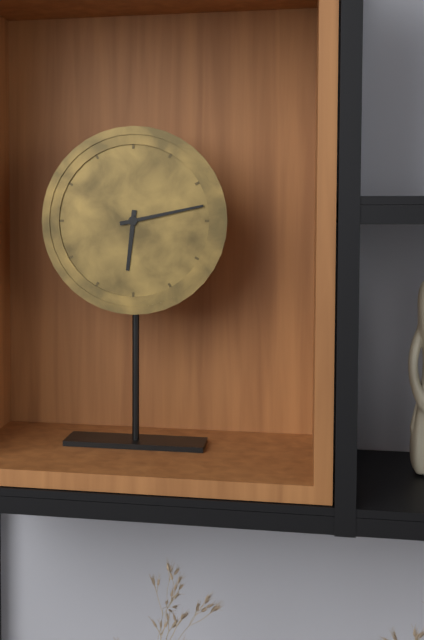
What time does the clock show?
6:13
